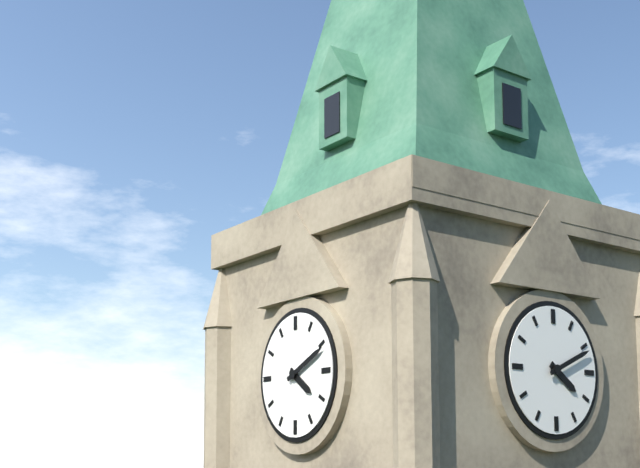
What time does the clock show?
4:11
